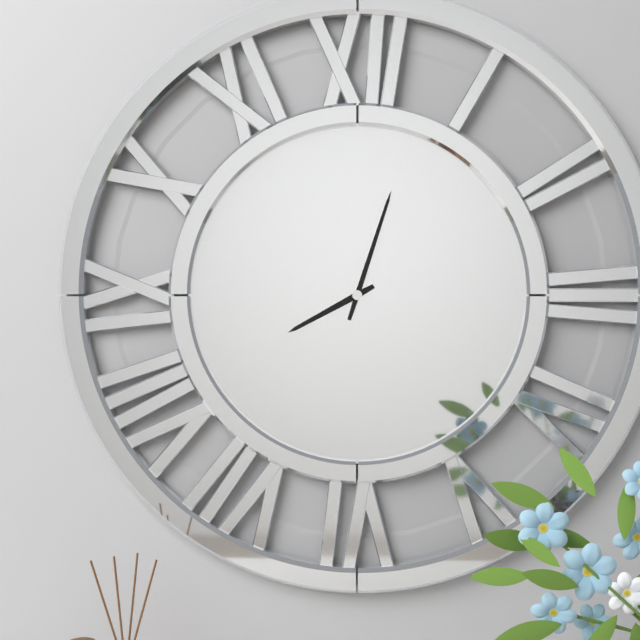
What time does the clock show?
8:03
